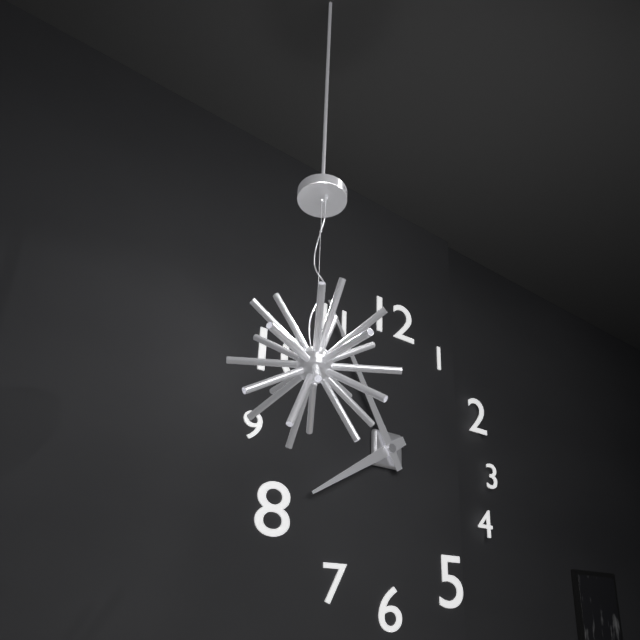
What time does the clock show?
7:55
